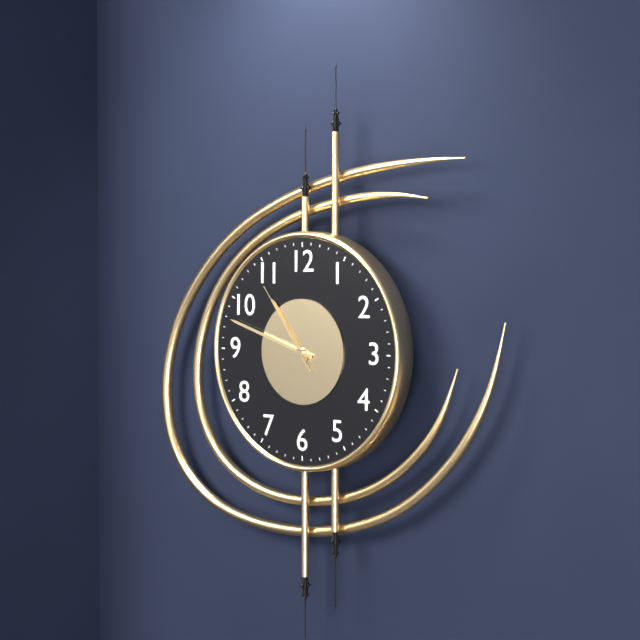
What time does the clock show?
10:48:54
